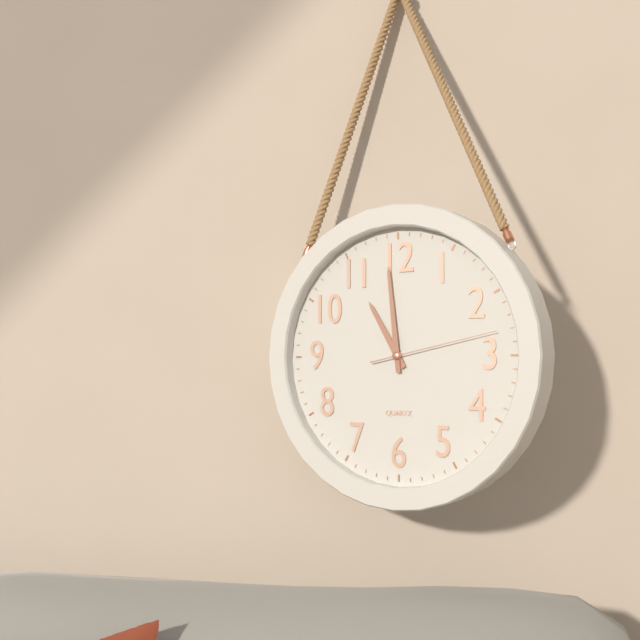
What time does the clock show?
10:59:13
